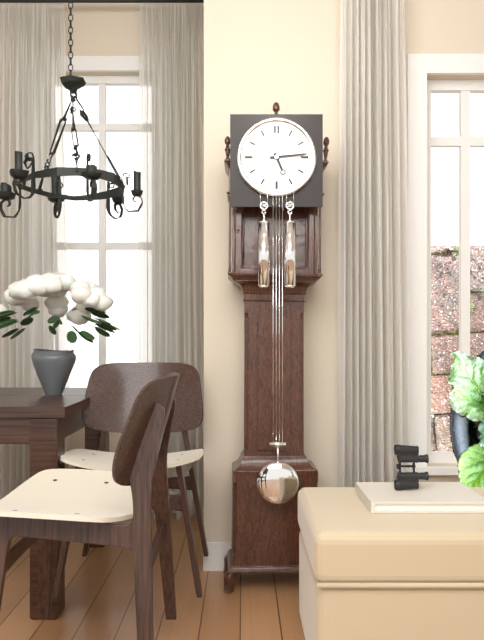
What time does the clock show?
5:14
